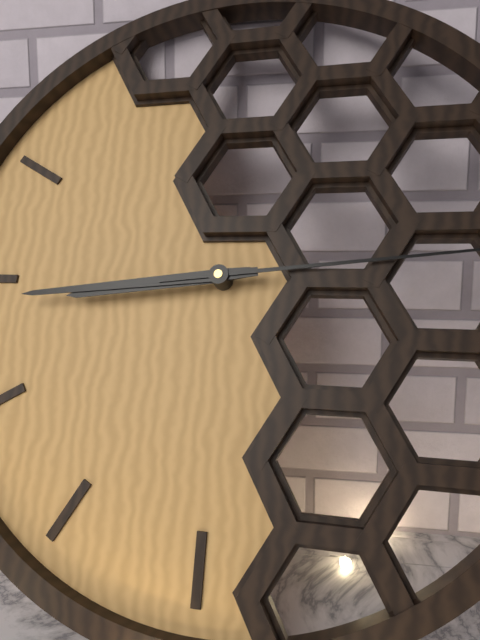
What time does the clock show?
8:44
